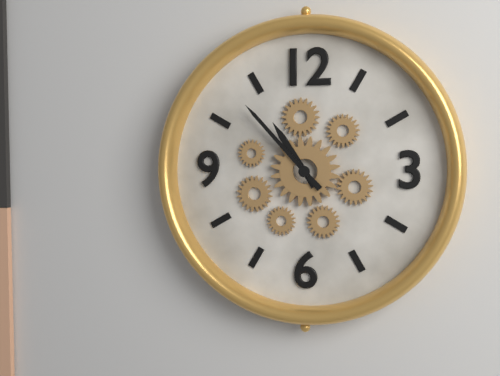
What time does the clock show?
10:53
